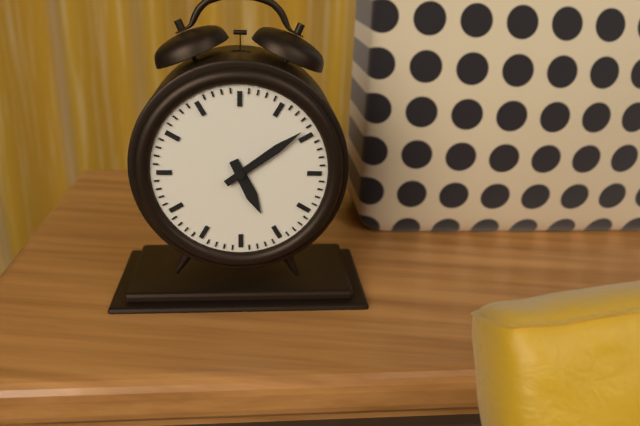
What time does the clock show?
5:09
